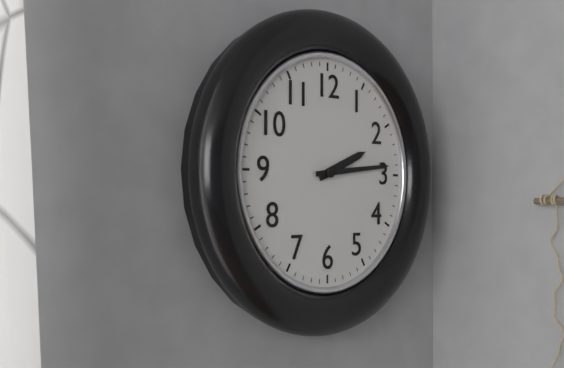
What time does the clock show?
2:14
